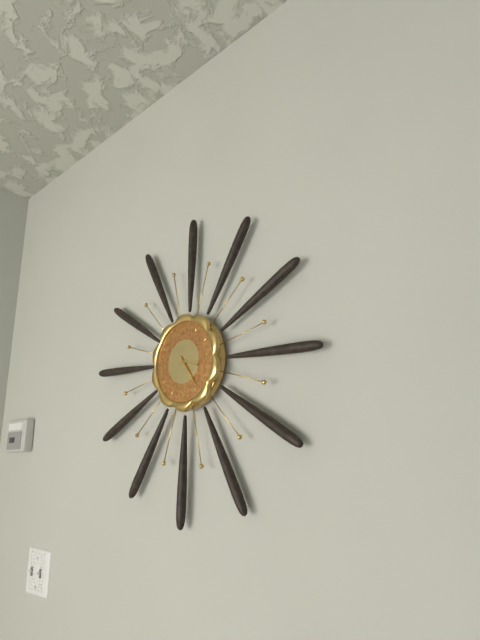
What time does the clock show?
3:24
